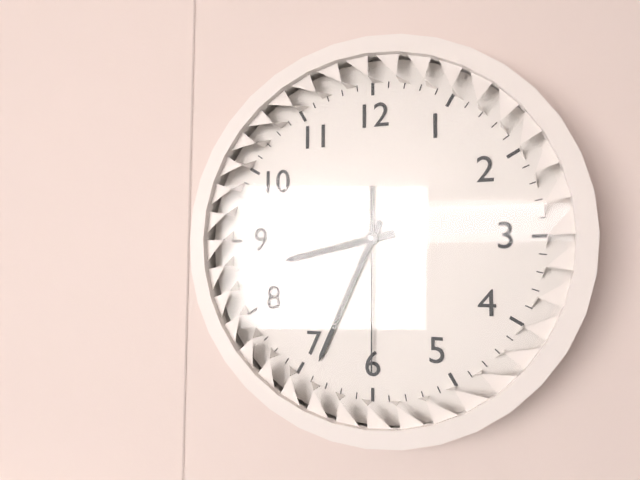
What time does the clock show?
8:34:30
